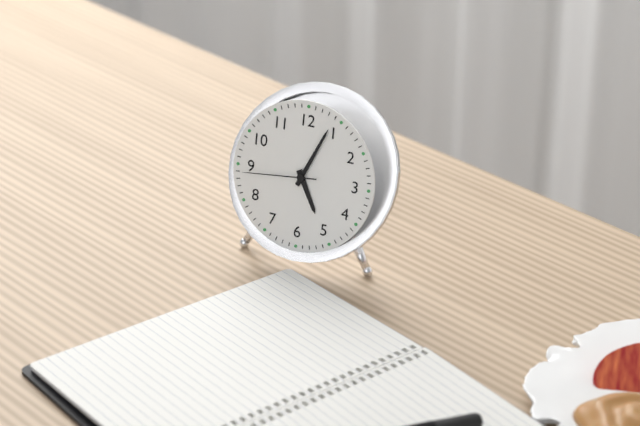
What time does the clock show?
5:04:44
